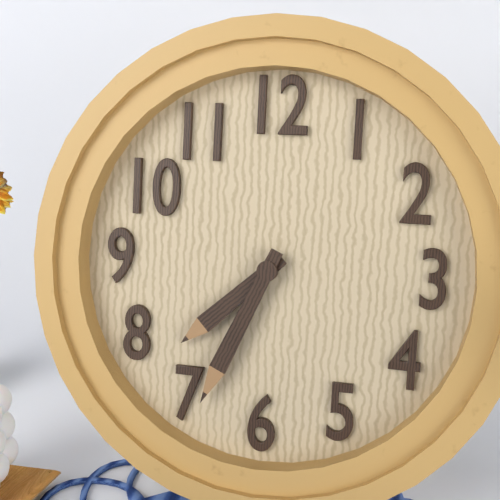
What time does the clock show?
7:34
